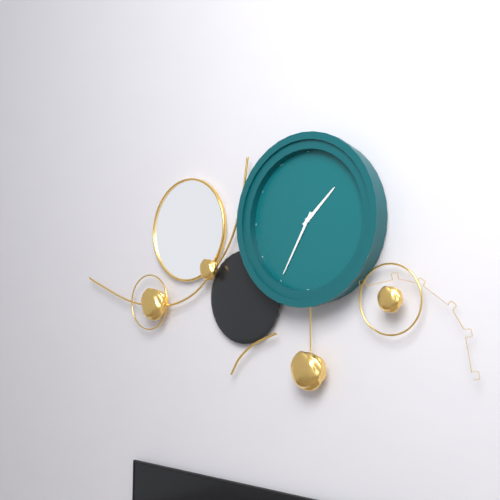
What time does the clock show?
1:35
